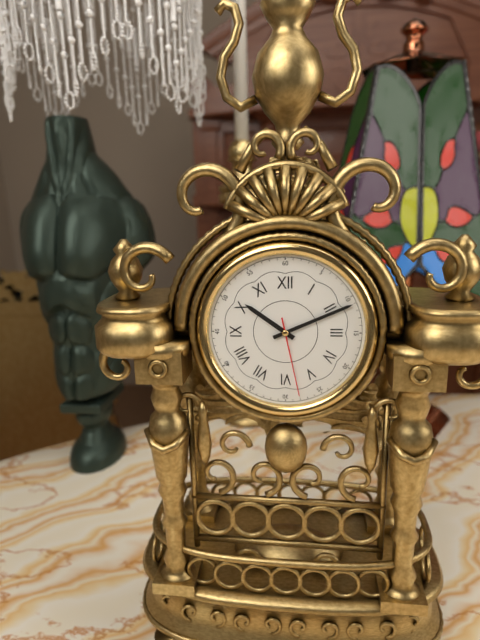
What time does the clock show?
10:11:28
